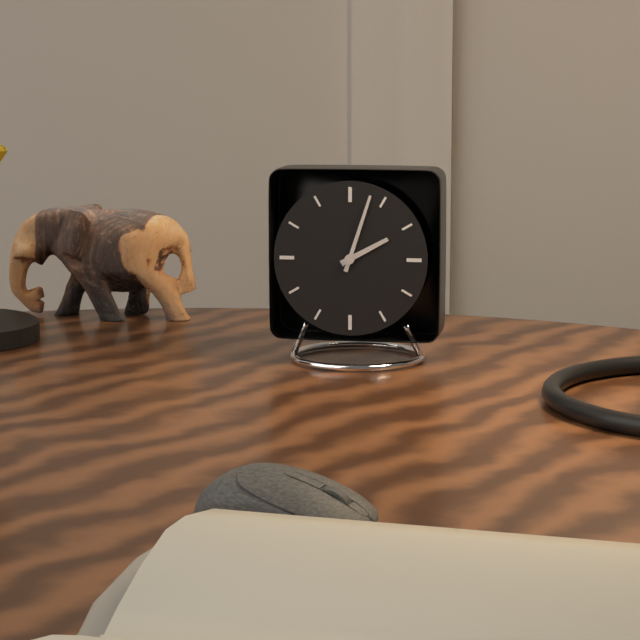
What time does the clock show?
2:03
